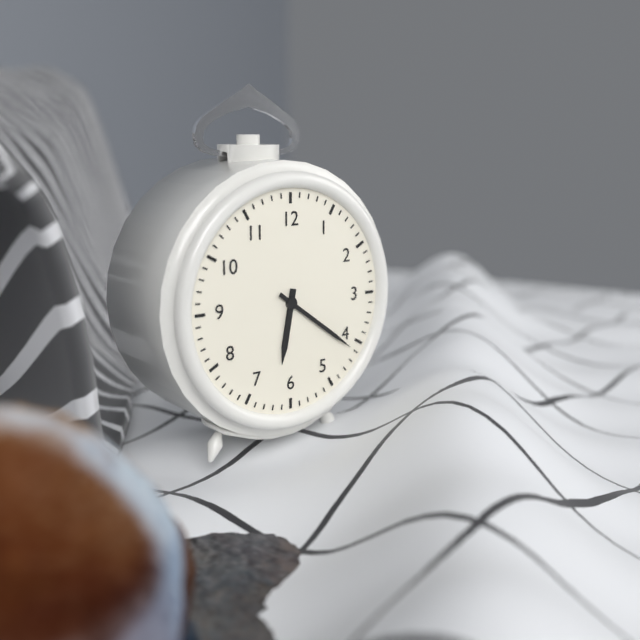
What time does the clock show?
6:21
